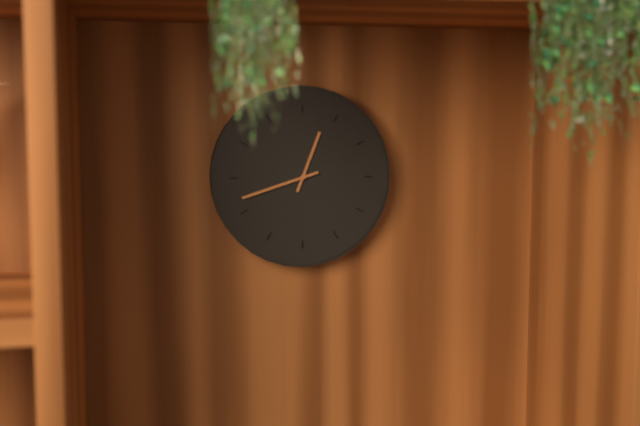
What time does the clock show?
12:42
